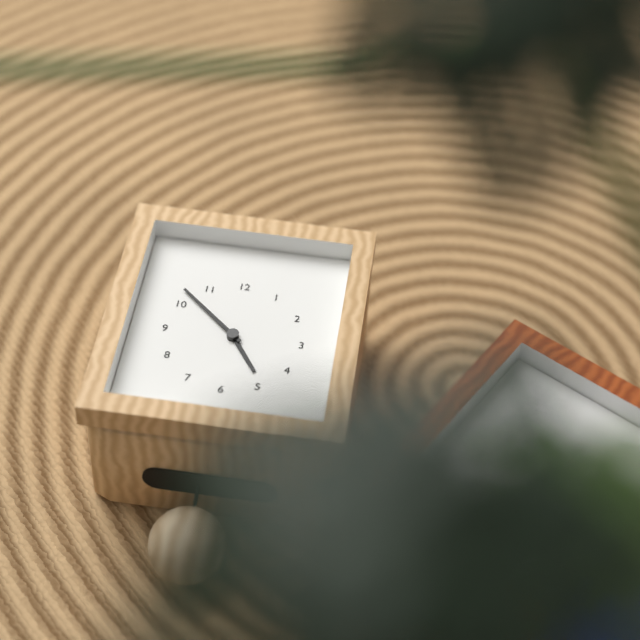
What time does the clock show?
4:52
